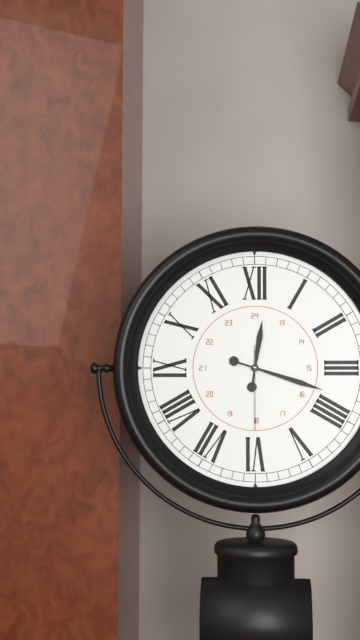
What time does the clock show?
12:18:30
